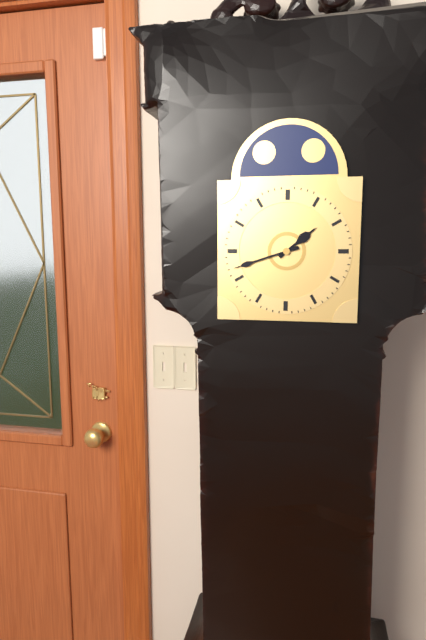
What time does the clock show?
1:42
